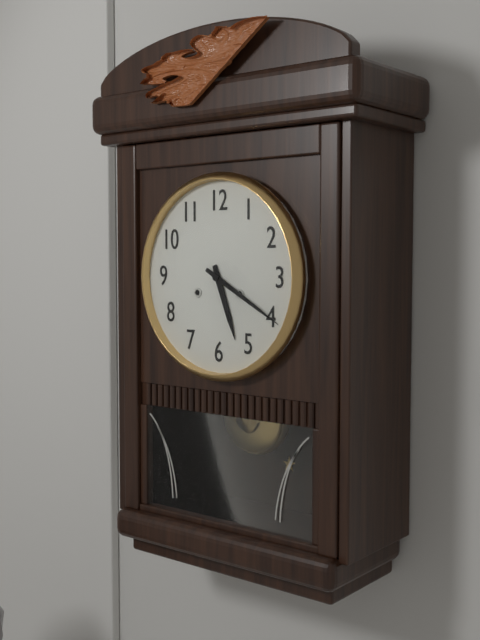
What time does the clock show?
5:20
